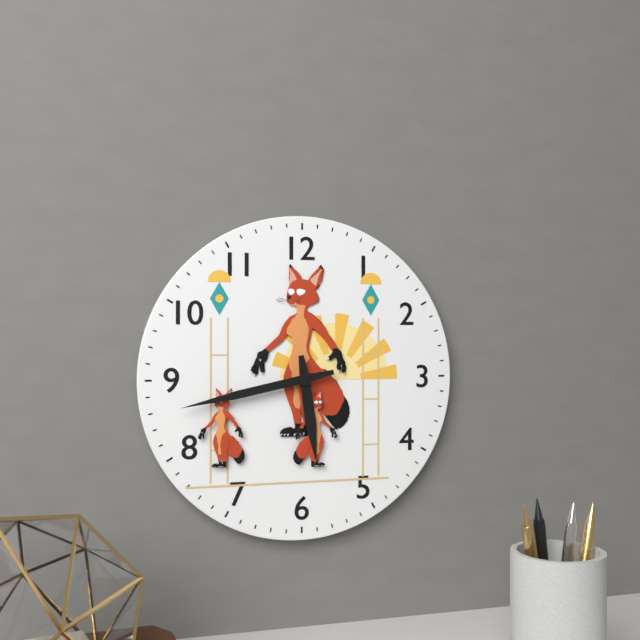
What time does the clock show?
5:43
